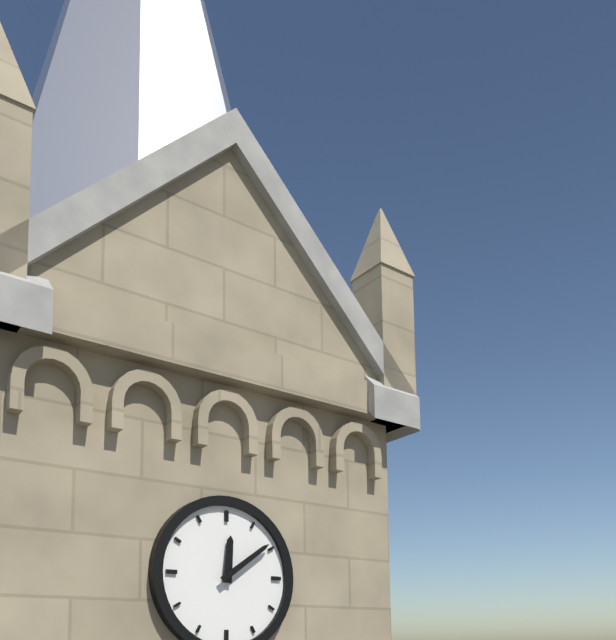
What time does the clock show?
12:09
